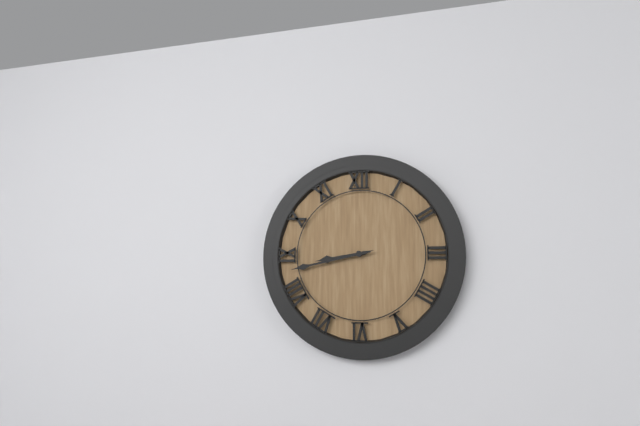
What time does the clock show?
8:43
